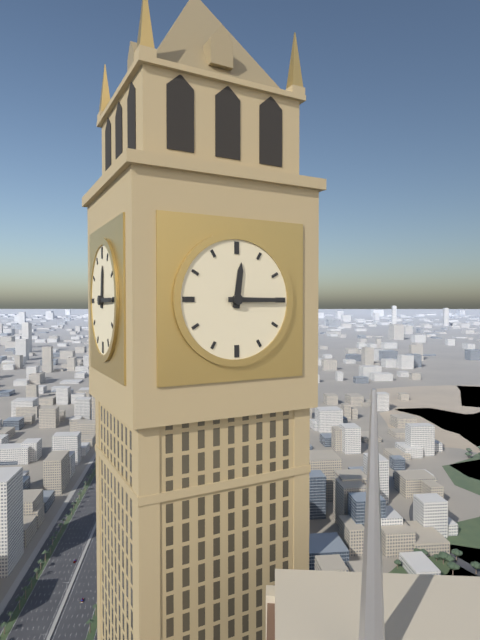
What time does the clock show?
12:15
